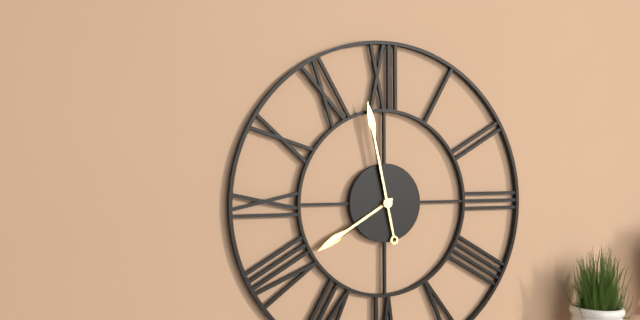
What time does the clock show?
7:58
